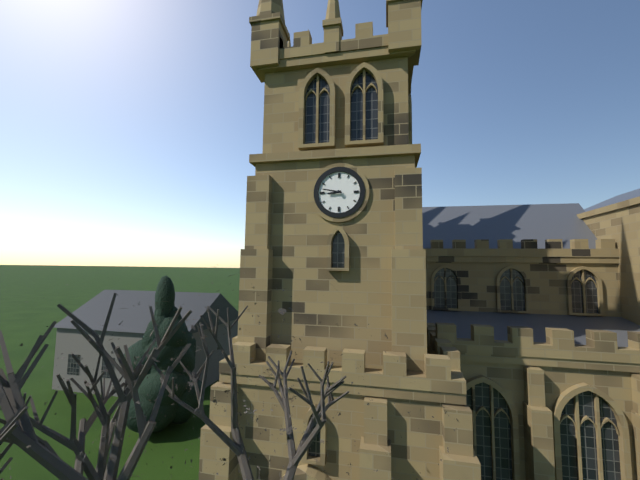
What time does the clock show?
8:47
